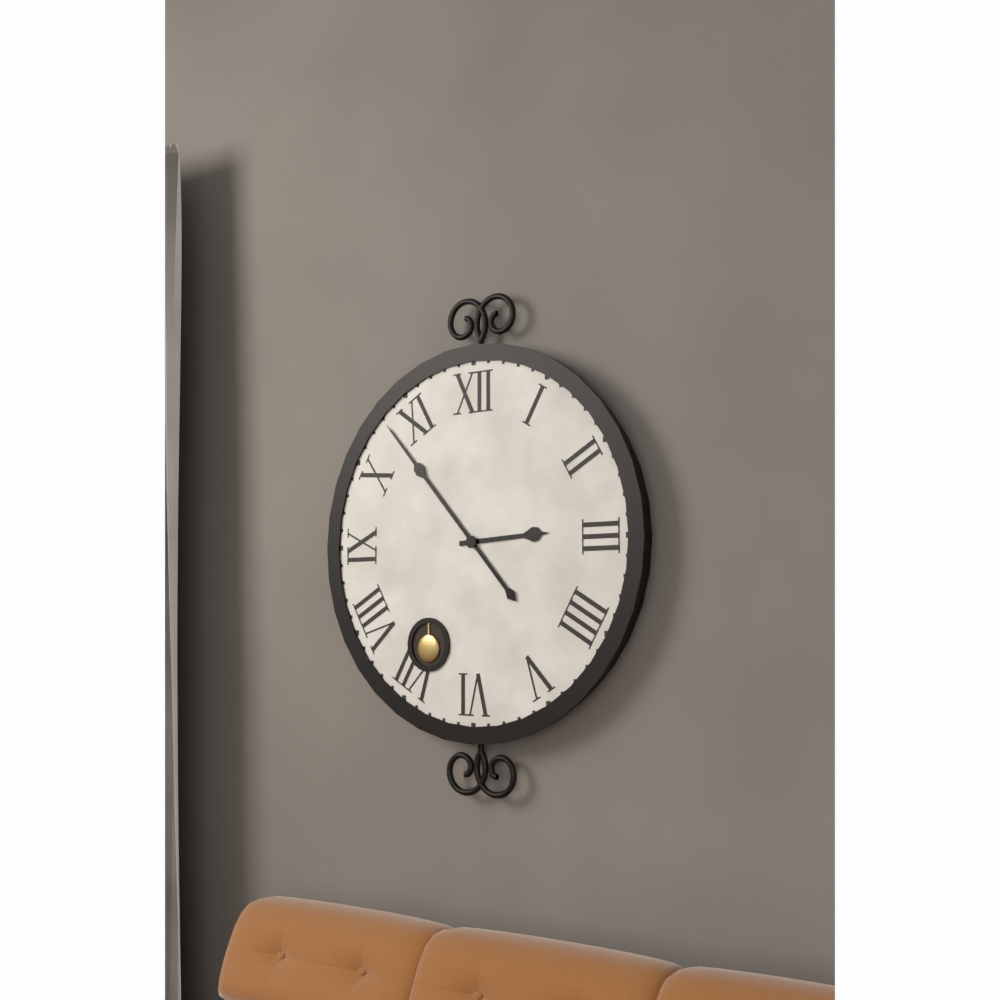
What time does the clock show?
2:53
